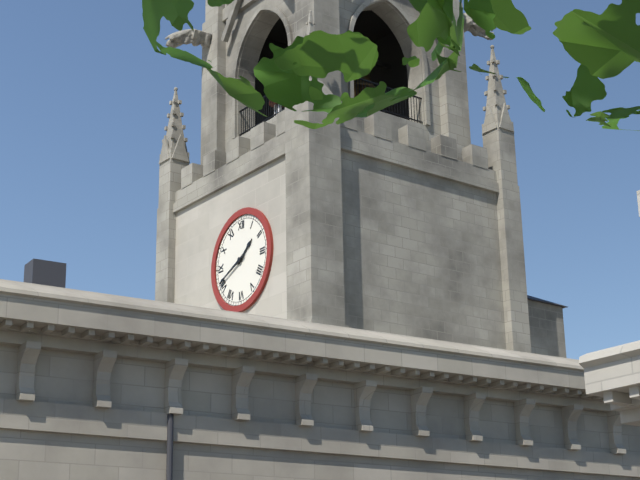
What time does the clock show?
1:41
